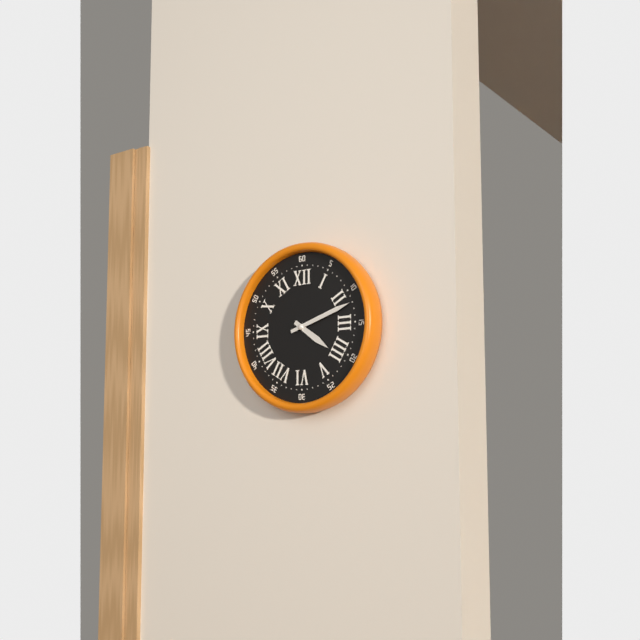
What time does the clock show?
4:12
